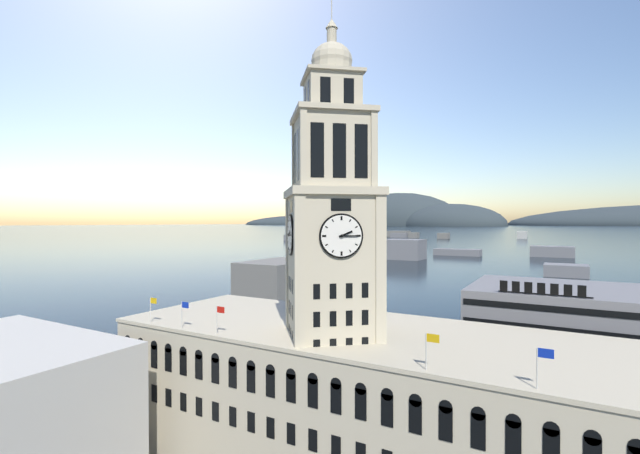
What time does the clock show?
2:15
